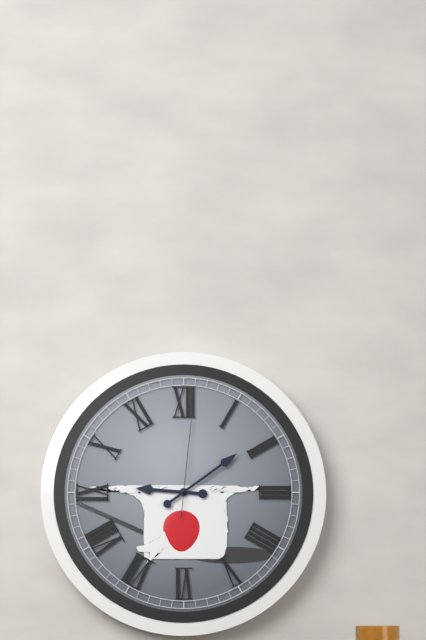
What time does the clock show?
9:09:01
